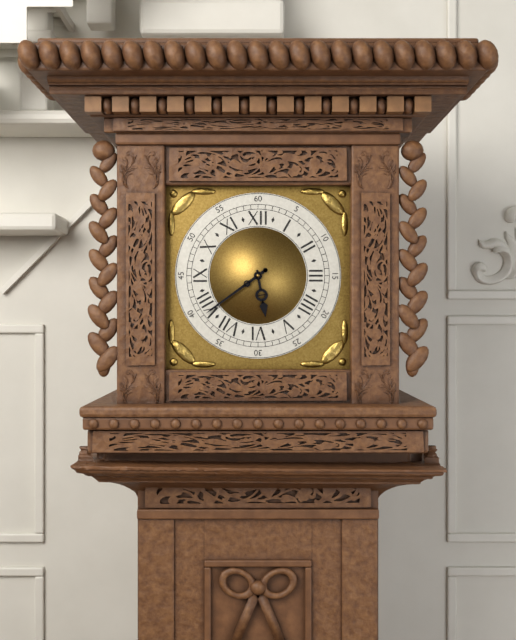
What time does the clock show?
5:39
